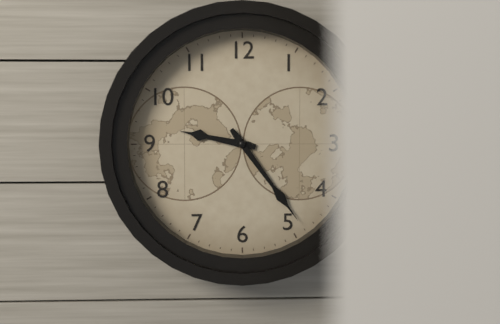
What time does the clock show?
9:24
